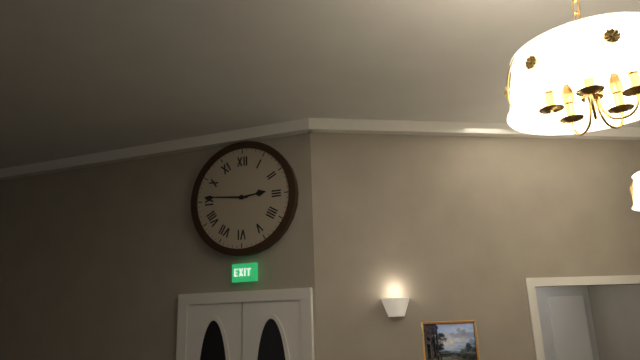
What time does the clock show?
2:46
